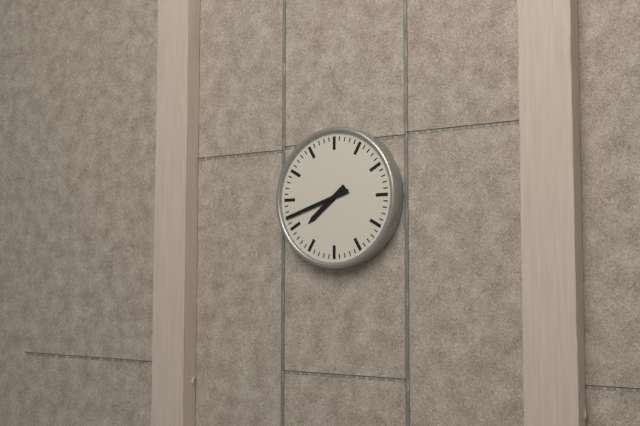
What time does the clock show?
7:42
